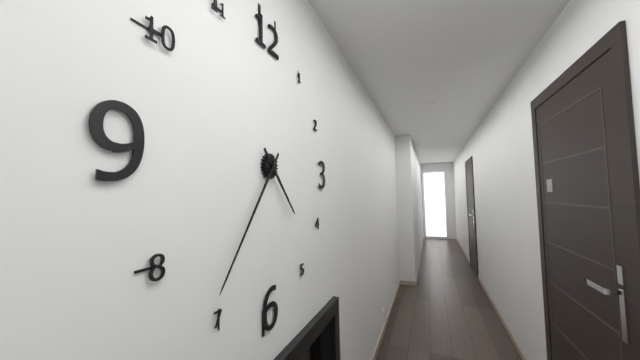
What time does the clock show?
4:36
